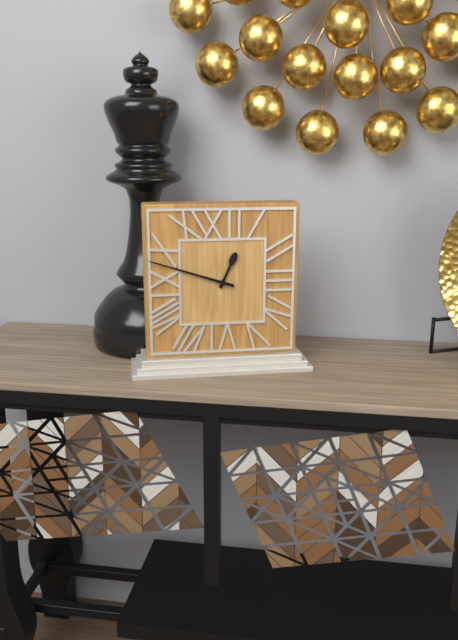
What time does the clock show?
12:48
